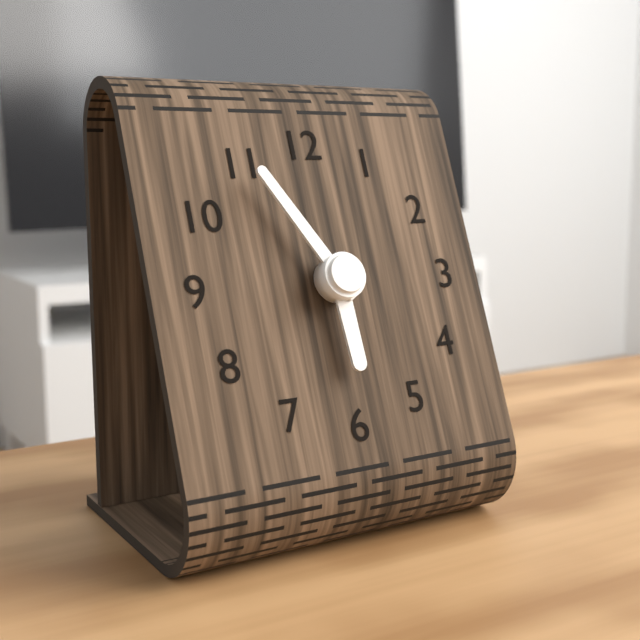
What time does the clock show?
5:55
